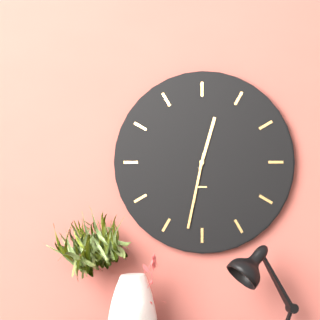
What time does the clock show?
12:32
